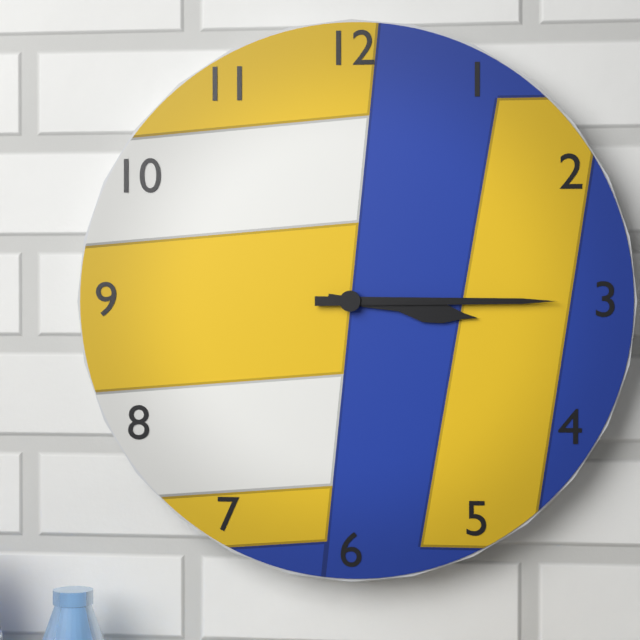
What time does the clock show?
3:15
